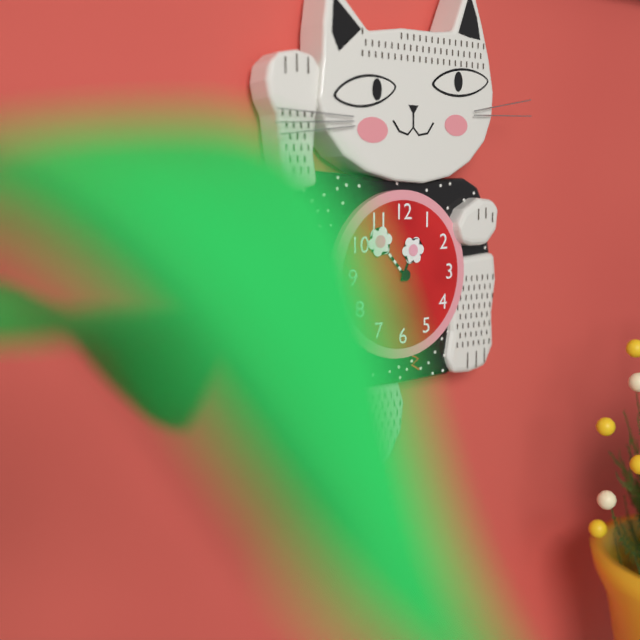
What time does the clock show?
12:53
